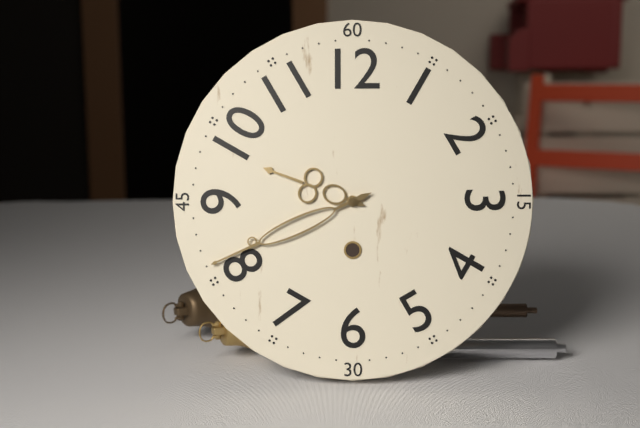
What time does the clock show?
9:41
